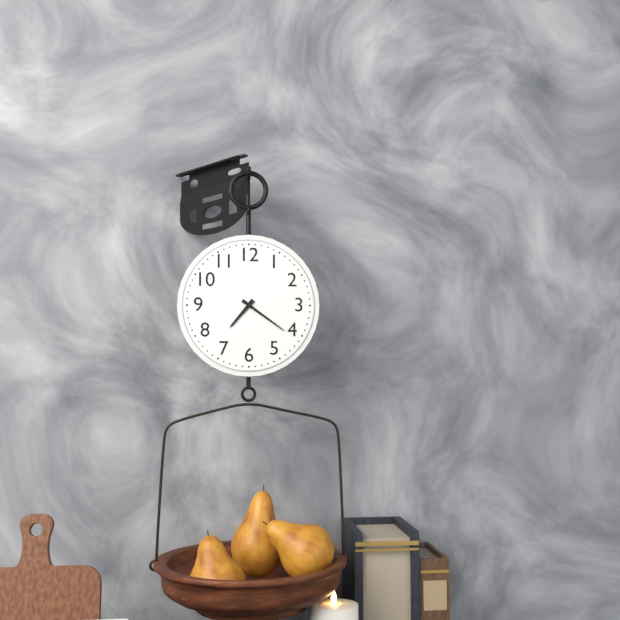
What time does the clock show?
7:21
